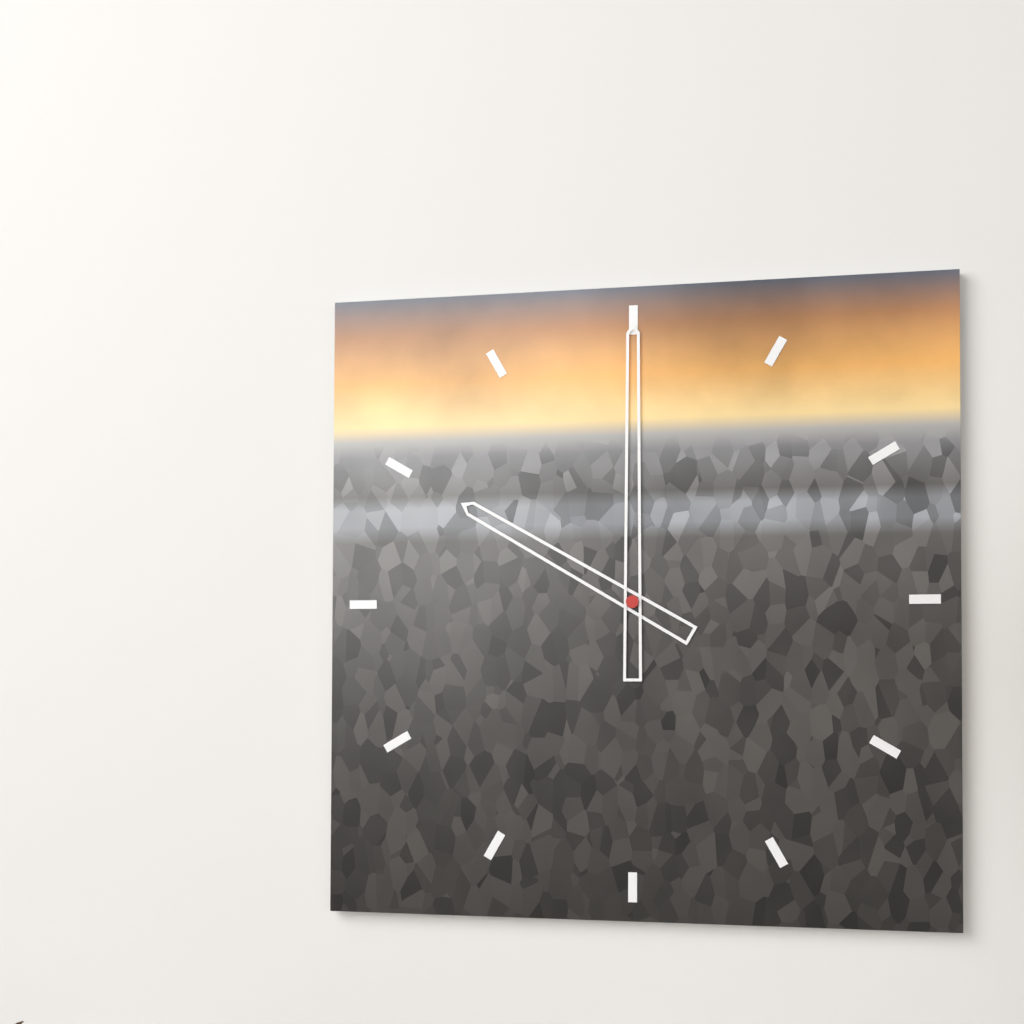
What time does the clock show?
10:00
